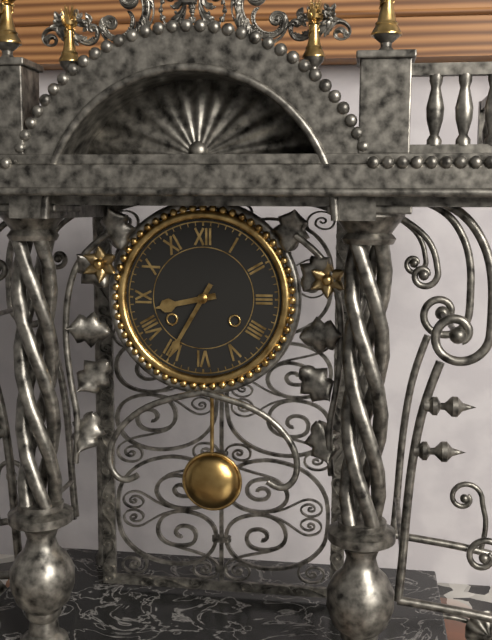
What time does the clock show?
8:35
